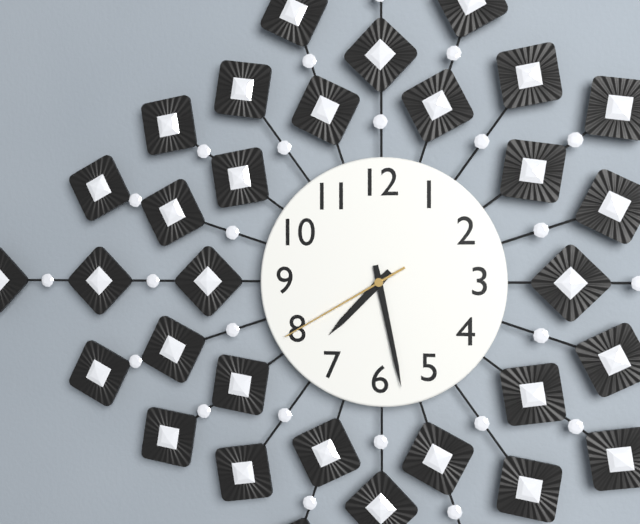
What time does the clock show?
7:28:40
